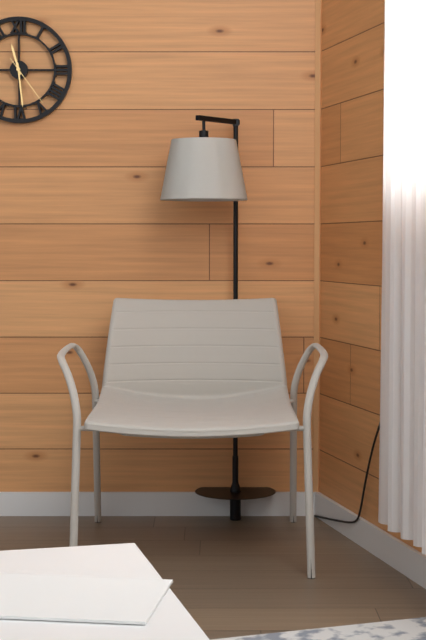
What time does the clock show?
11:29:24
